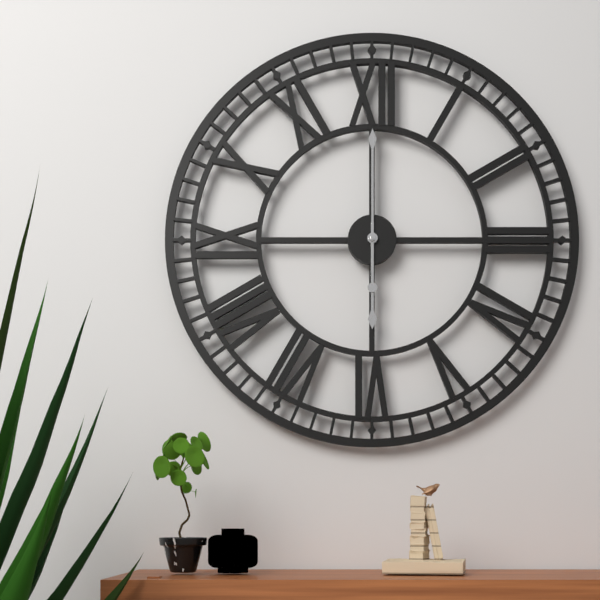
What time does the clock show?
6:00
